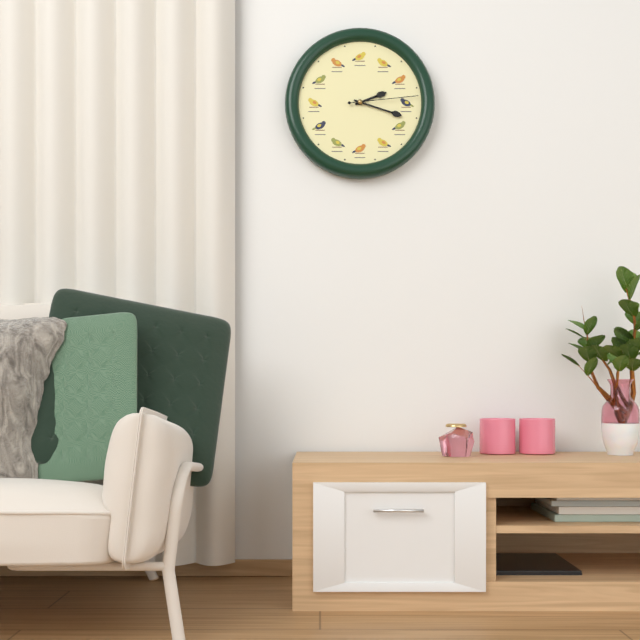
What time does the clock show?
2:18:14
